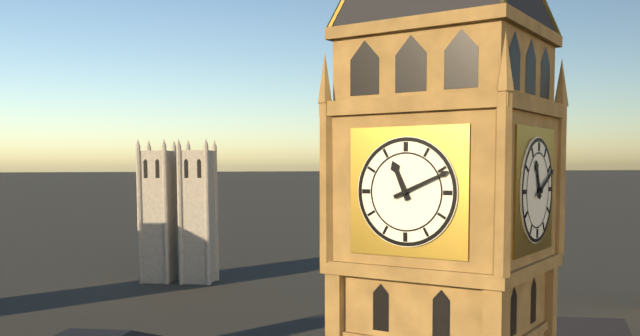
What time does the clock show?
11:11
